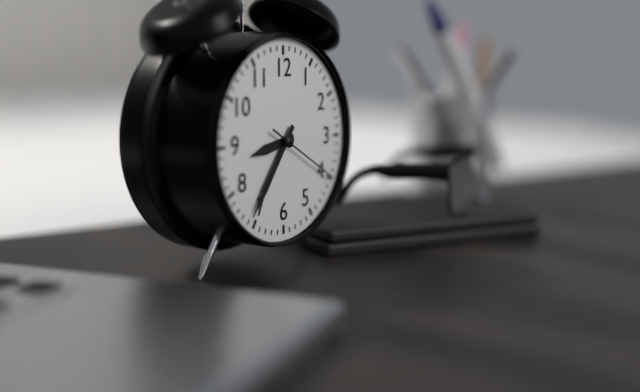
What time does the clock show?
8:36:20
